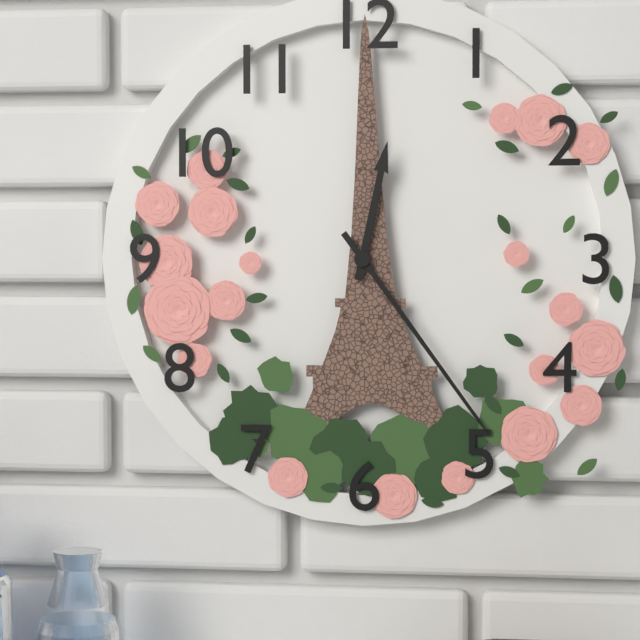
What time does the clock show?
12:24
